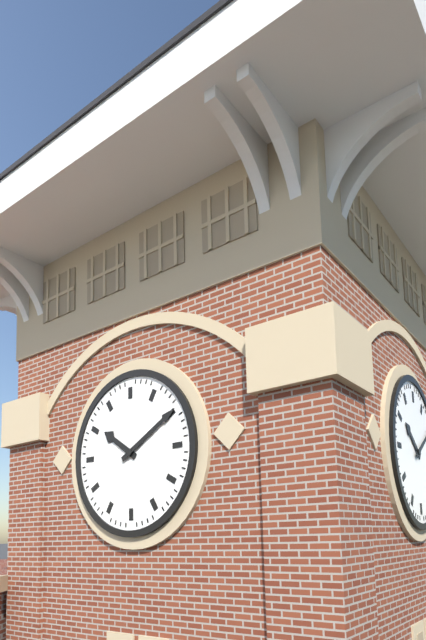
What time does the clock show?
10:10
